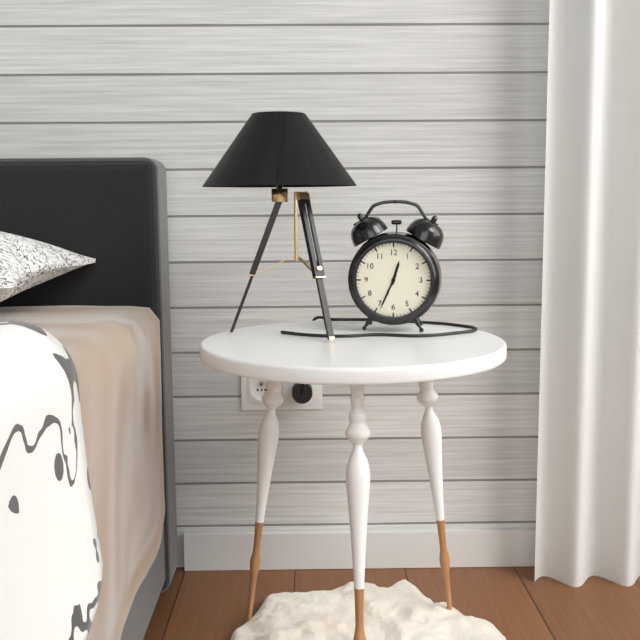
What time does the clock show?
12:34
